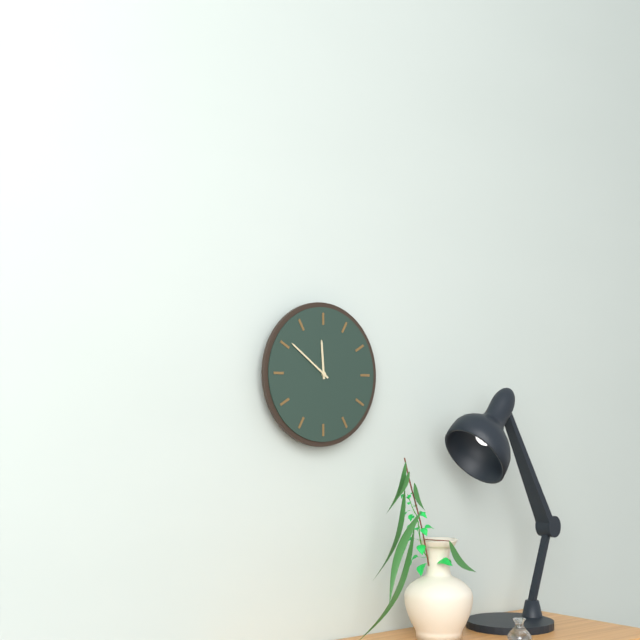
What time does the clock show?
11:51
